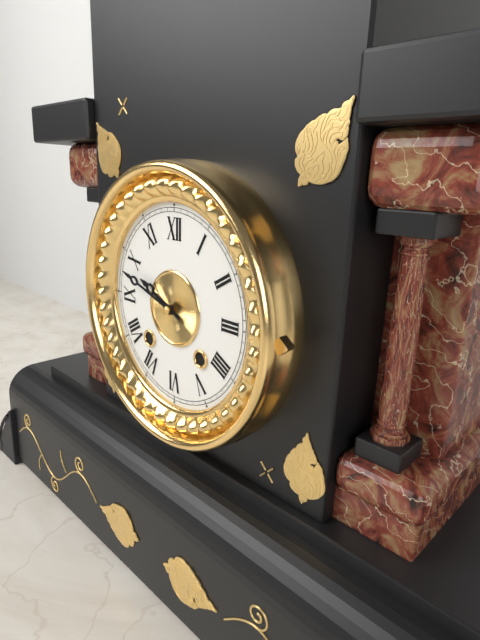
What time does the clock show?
9:48
